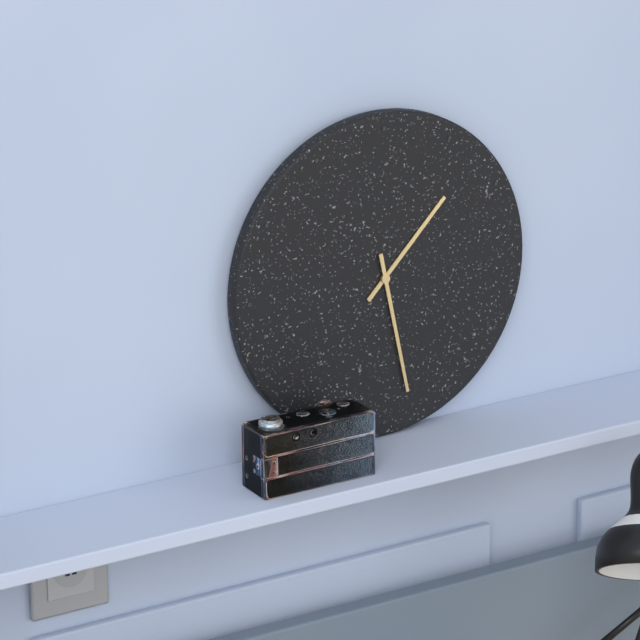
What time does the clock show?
1:28
